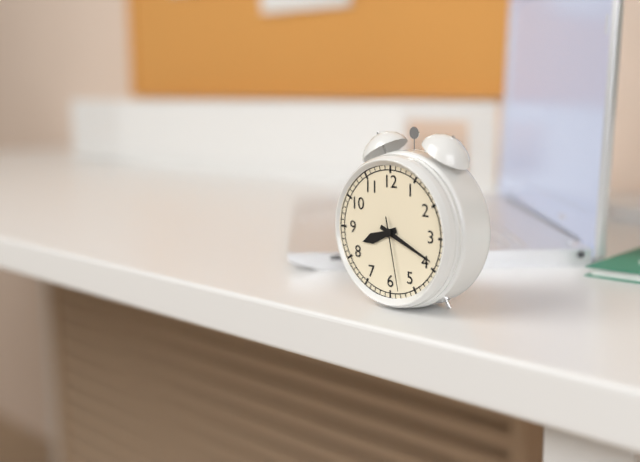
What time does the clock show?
8:19:28
